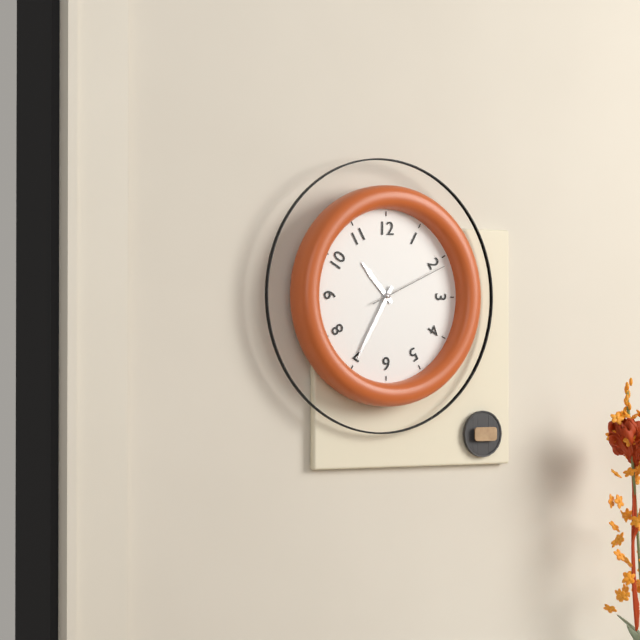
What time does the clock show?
10:35:11
